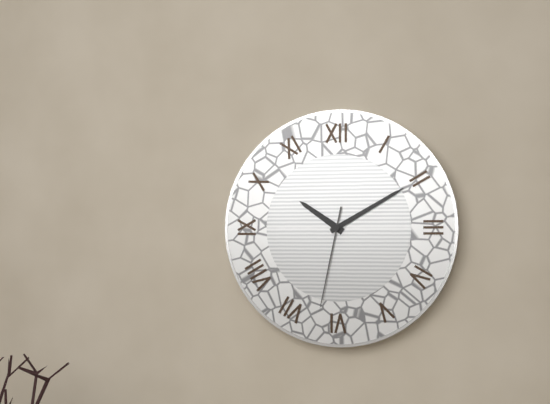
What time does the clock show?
10:10:32
